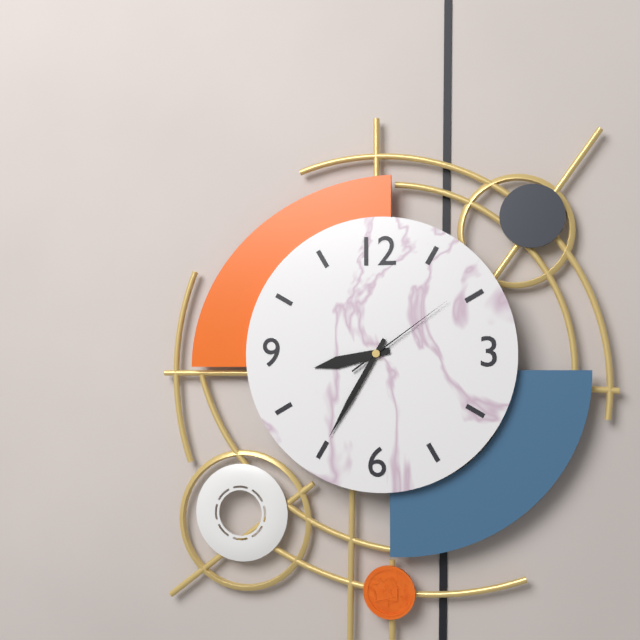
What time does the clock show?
8:35:09
